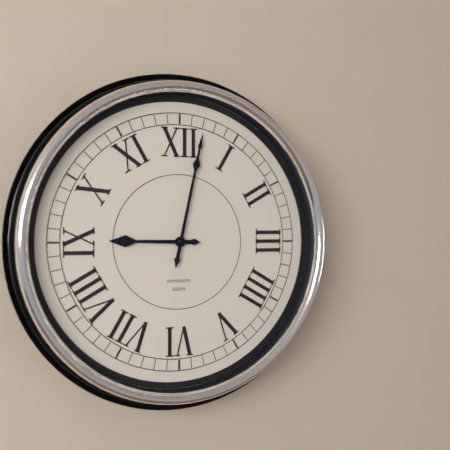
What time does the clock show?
9:02
